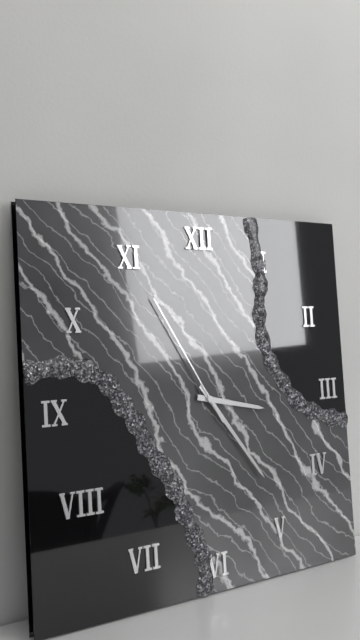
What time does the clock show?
3:24:55
